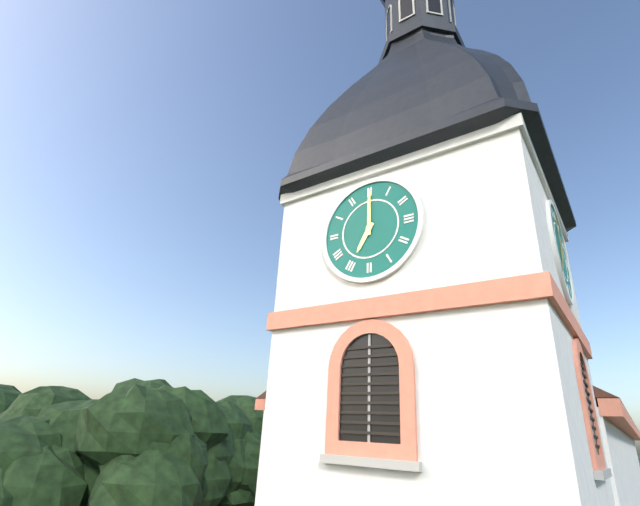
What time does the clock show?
7:00
